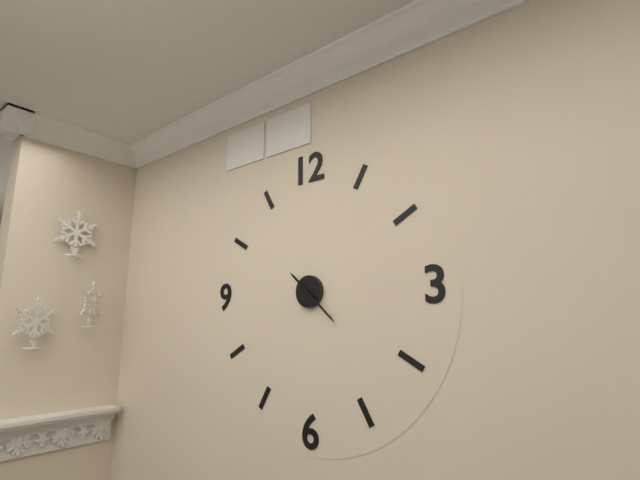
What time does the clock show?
10:22
